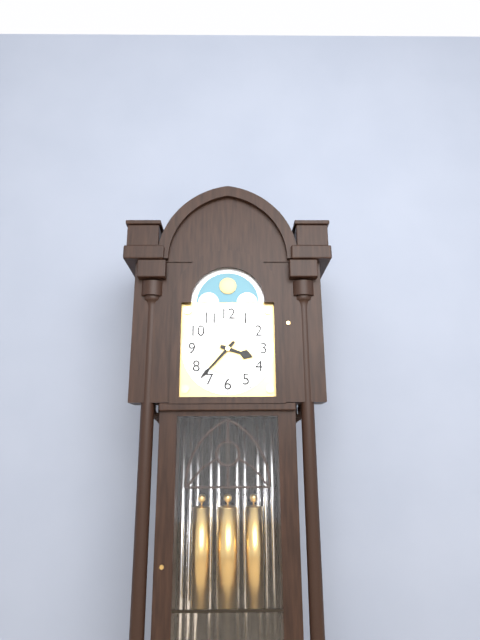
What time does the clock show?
3:37
